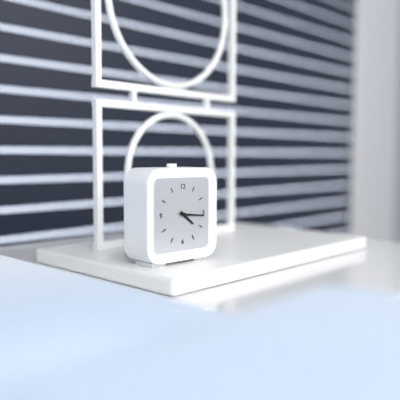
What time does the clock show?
4:16
